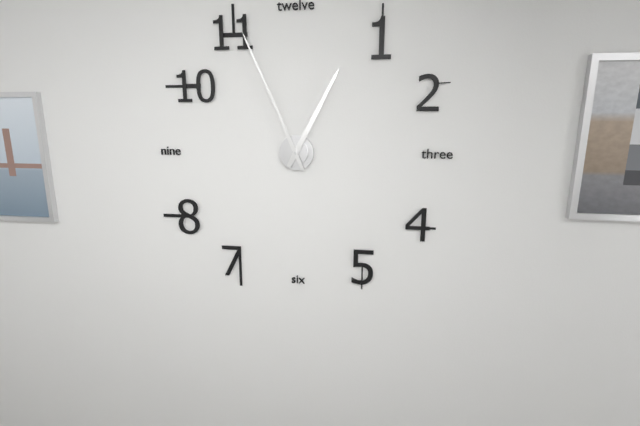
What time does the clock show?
12:56
